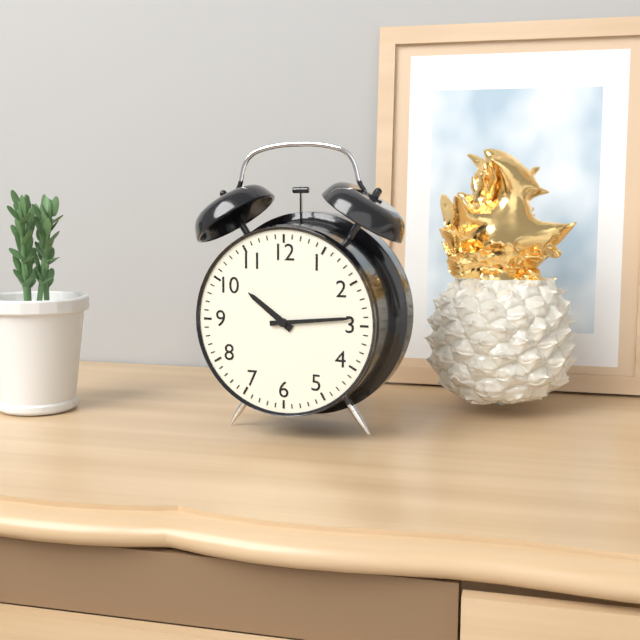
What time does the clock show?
10:14
